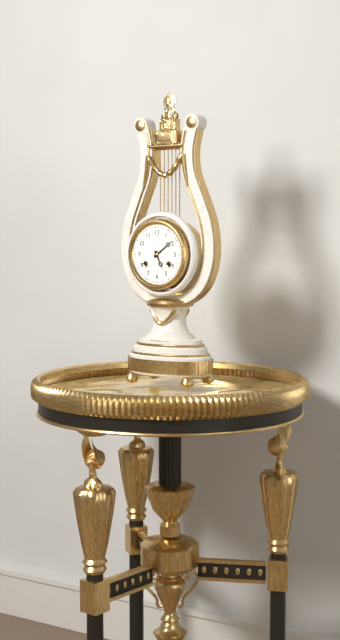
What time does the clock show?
5:09
